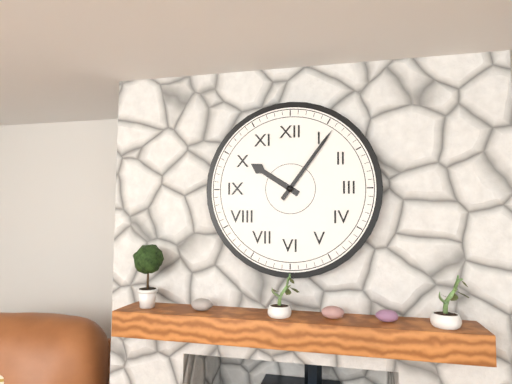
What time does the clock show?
10:06
